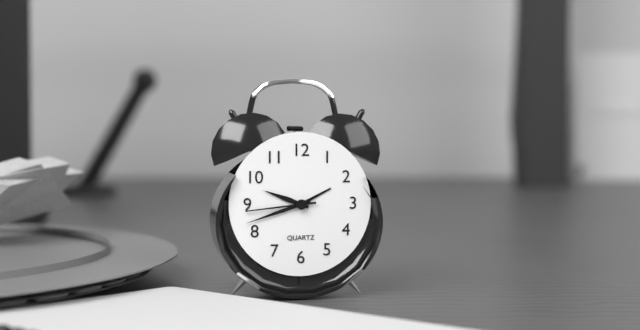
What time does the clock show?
9:42:44
